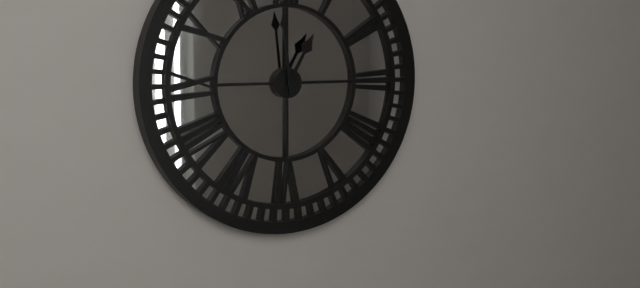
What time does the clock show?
12:59
